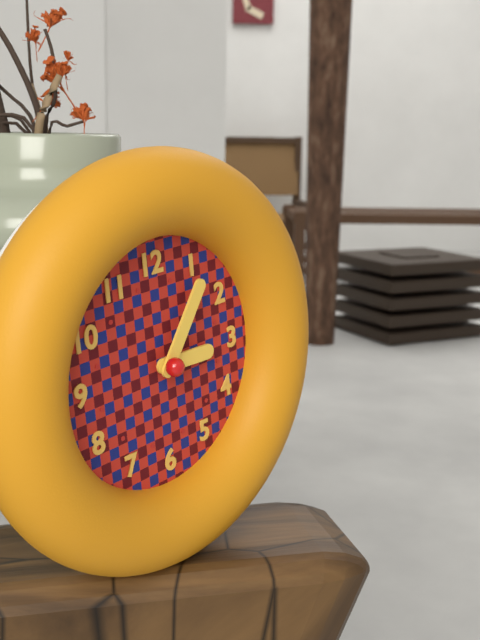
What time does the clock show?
3:06
